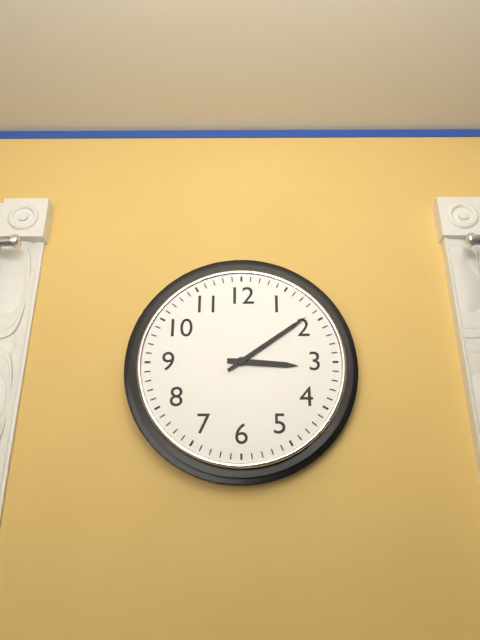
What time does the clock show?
3:09
